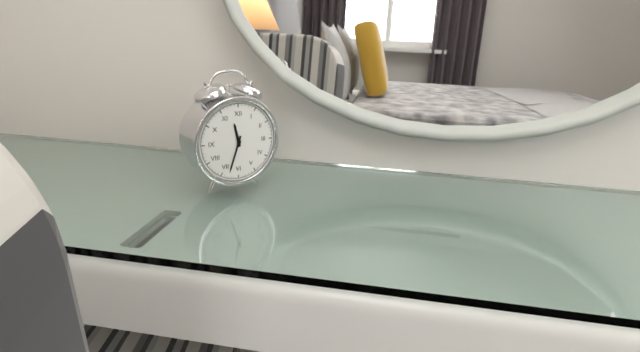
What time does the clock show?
11:33
